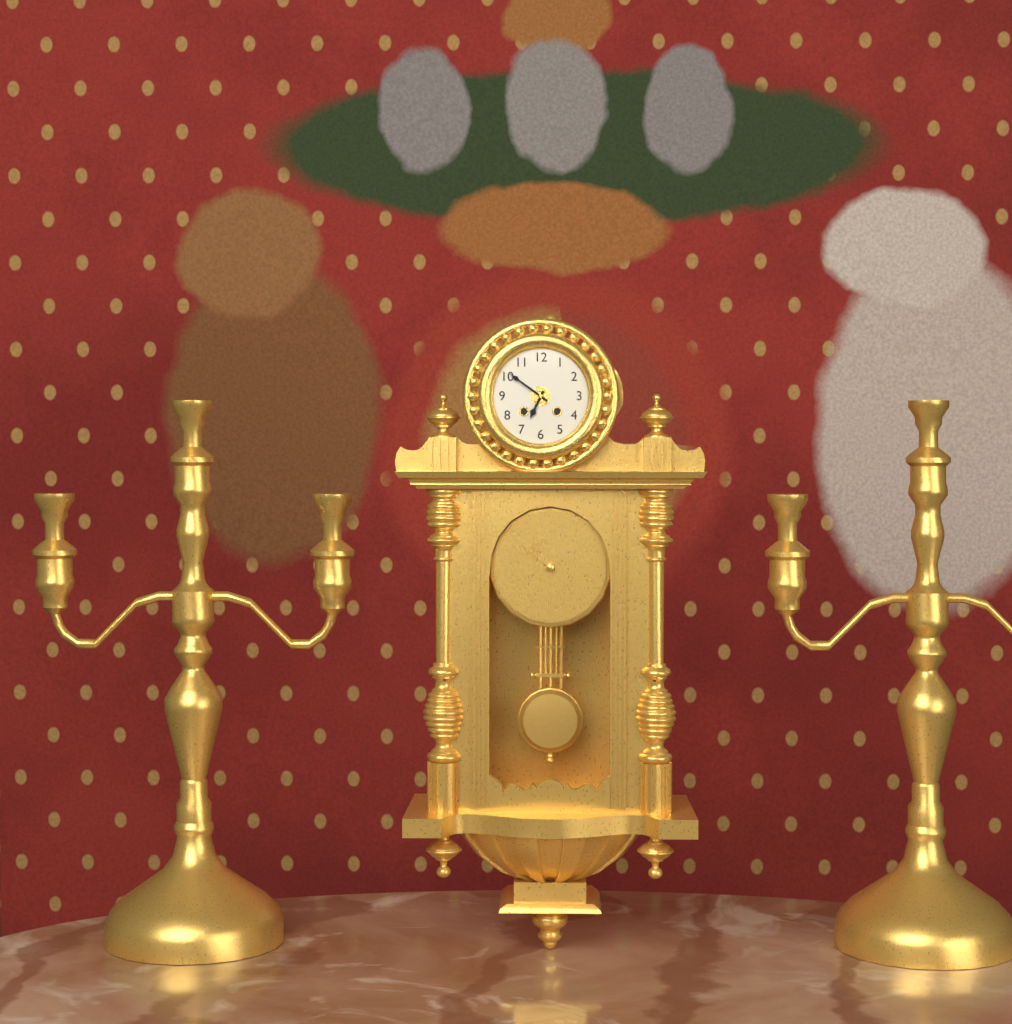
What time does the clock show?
6:51
